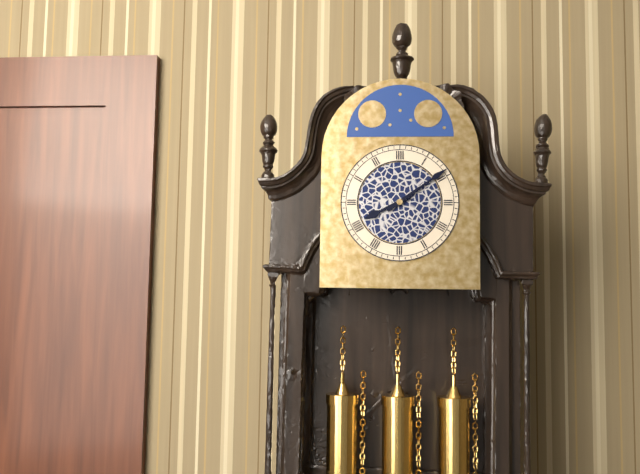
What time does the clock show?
8:09
